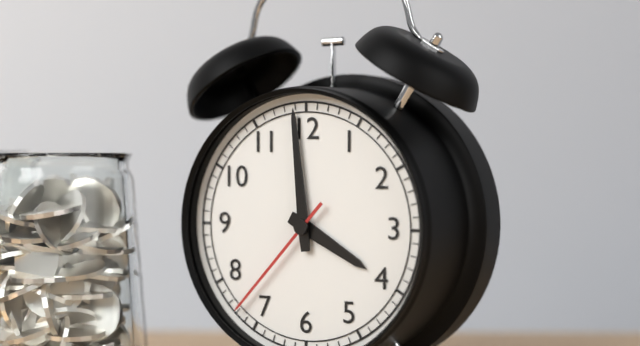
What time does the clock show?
3:59:37
